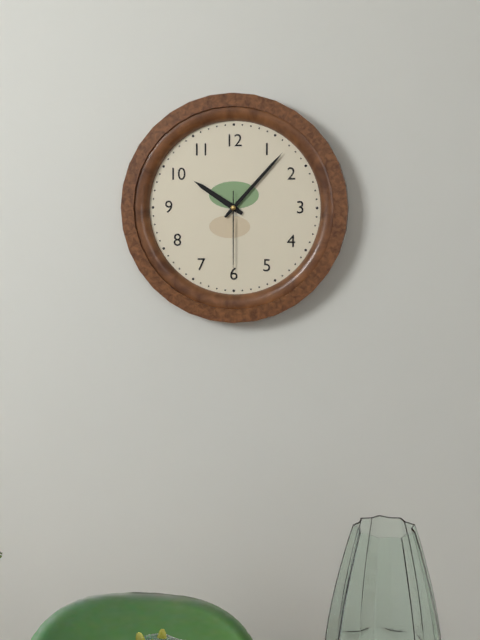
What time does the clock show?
10:07:30
